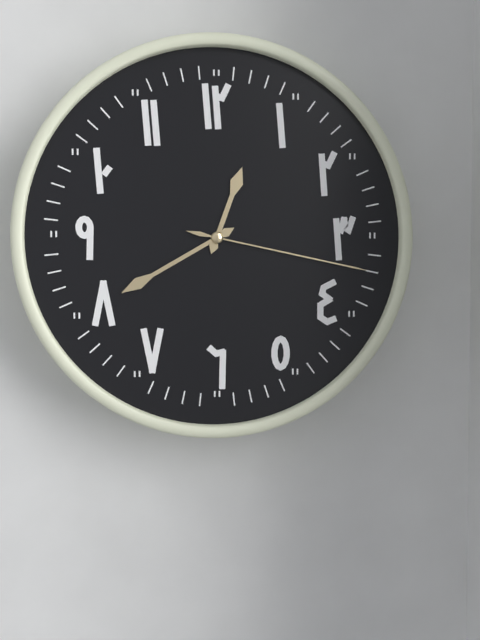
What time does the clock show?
12:40:17
